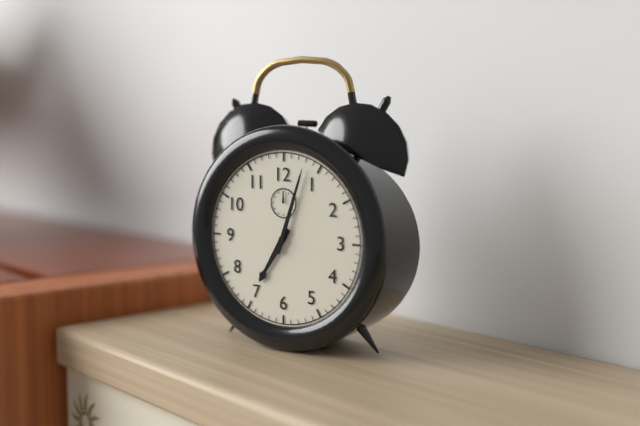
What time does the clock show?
7:03
